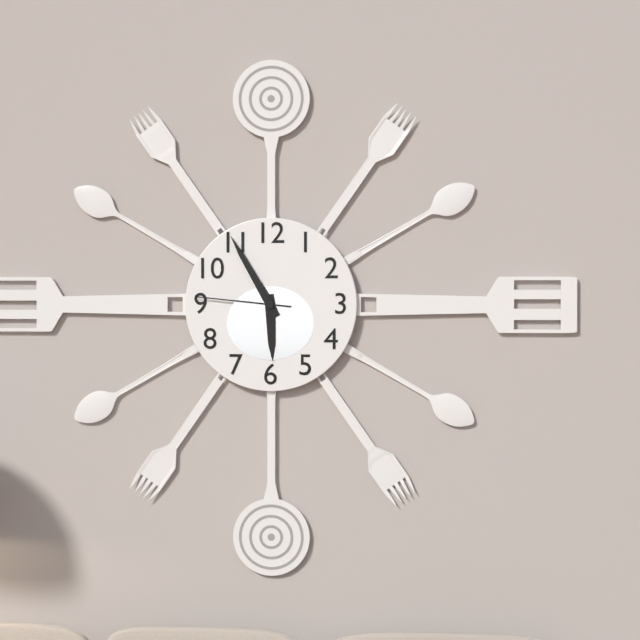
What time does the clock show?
5:55:46
